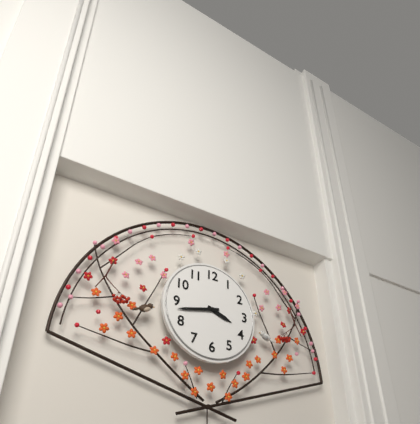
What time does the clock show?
3:43
